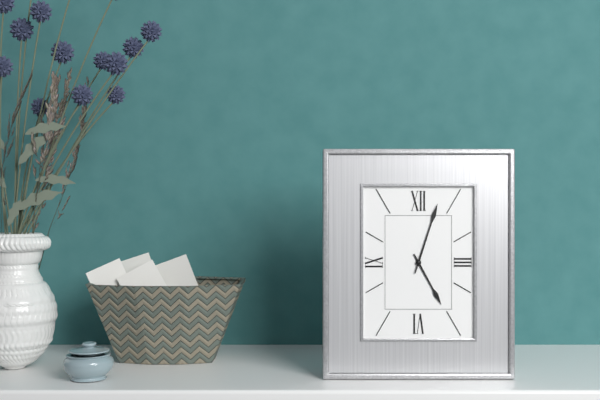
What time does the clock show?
5:03
